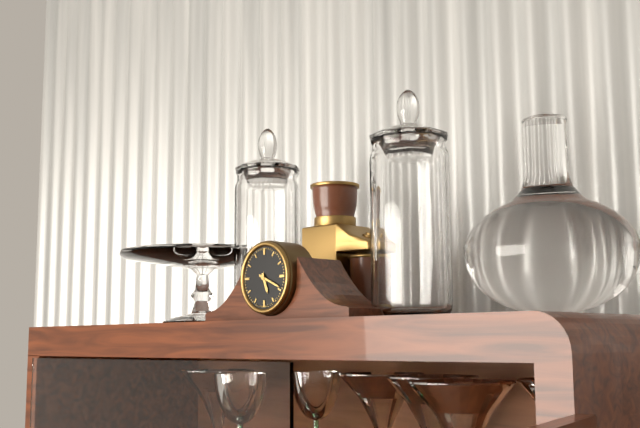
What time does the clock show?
5:19
